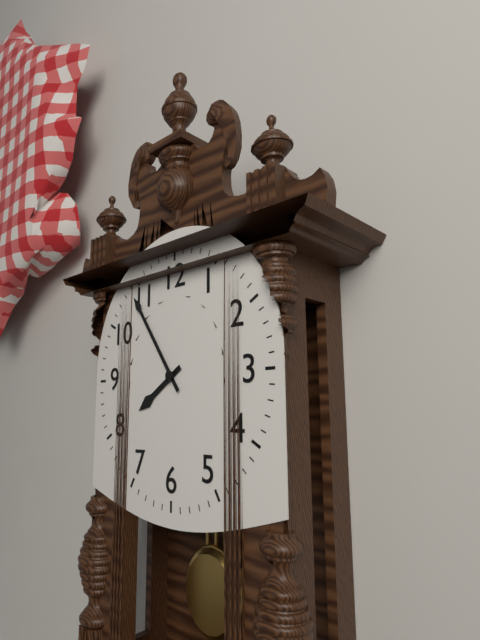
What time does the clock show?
7:54
